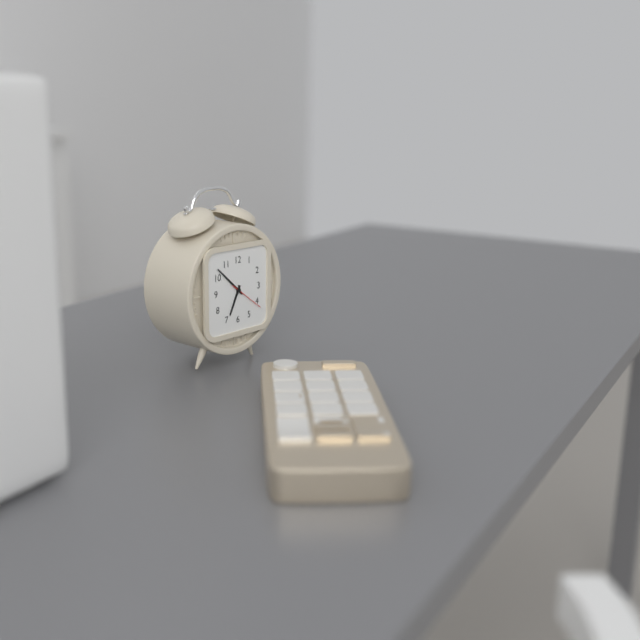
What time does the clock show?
6:52
